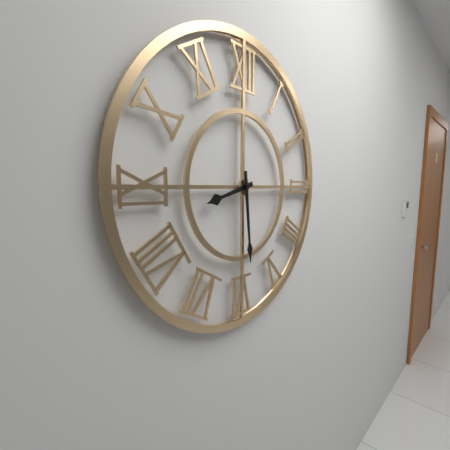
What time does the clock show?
8:29
